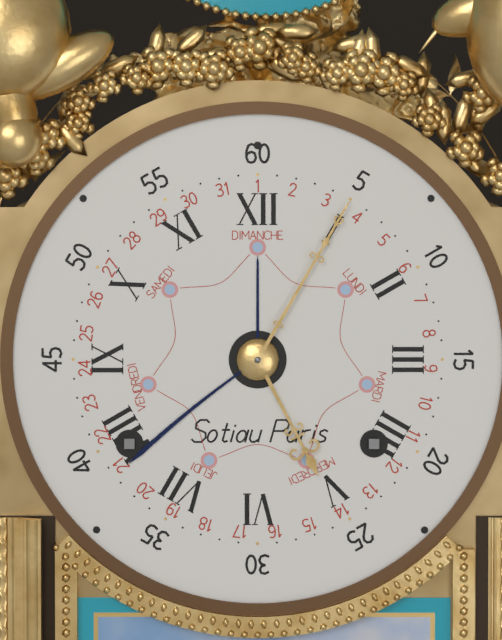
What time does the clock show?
5:05
